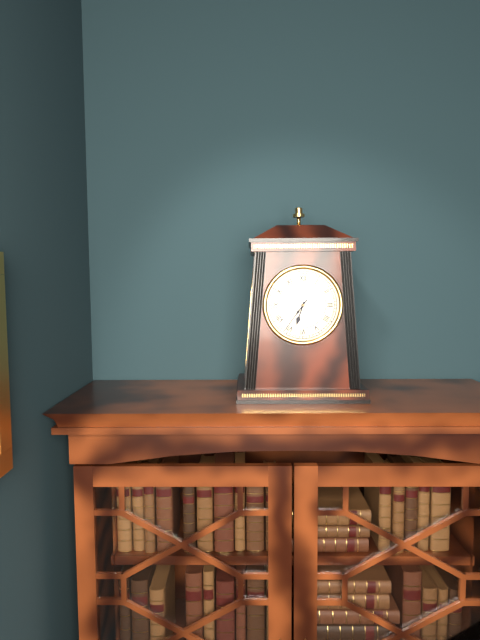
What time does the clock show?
6:36
